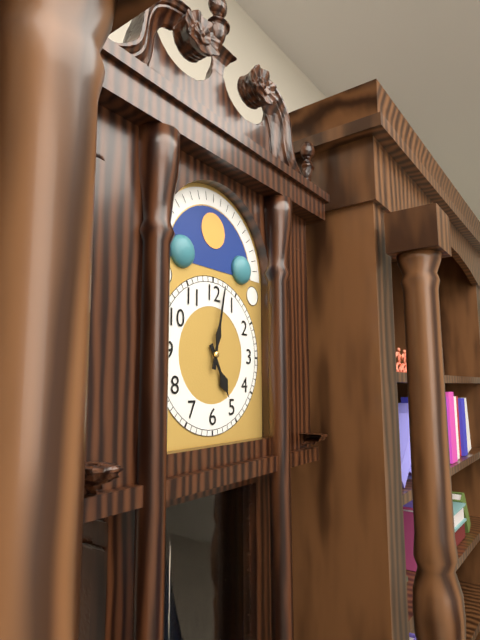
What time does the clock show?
5:02
